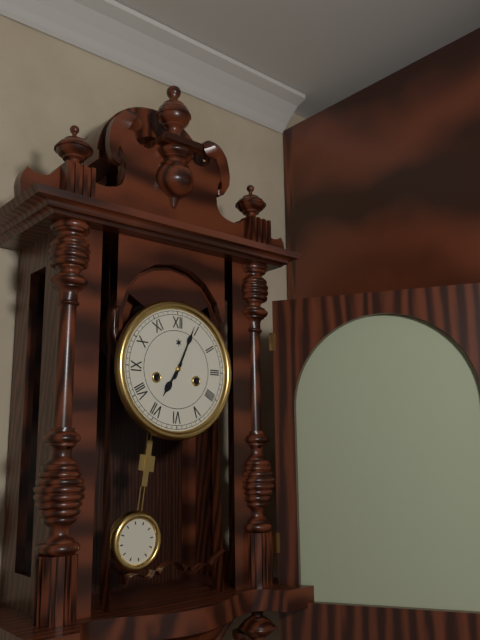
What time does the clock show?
7:04
